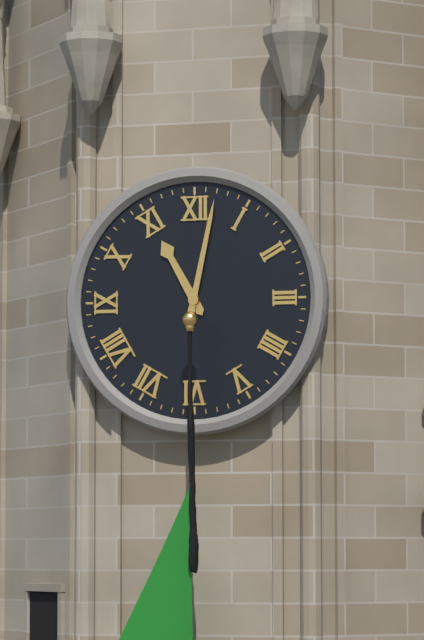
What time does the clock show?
11:02
